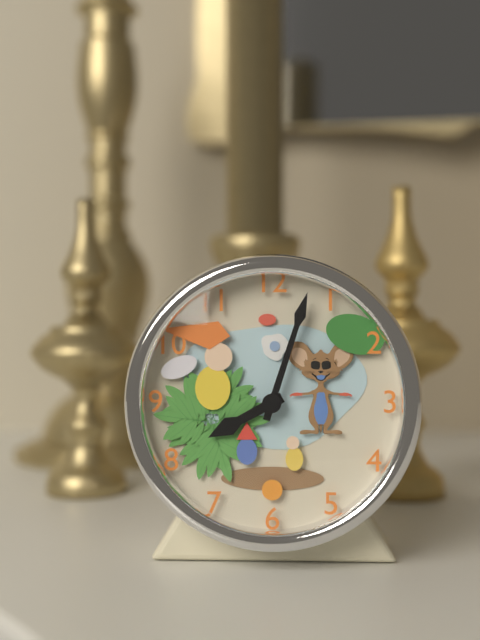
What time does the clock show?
8:03
